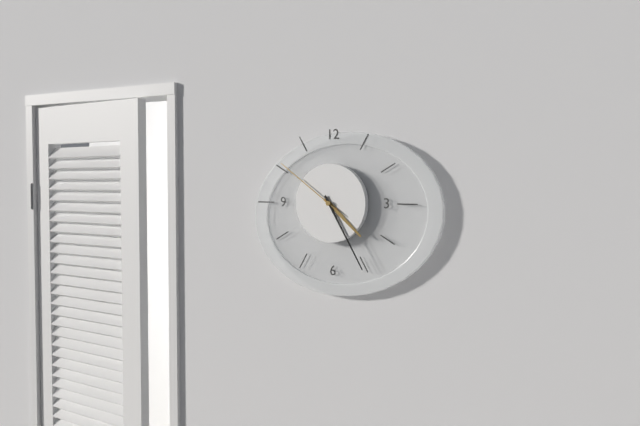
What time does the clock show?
4:25:51
